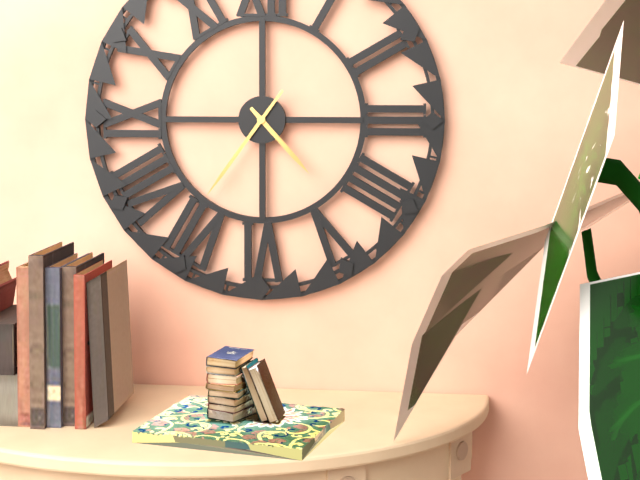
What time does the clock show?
4:36
